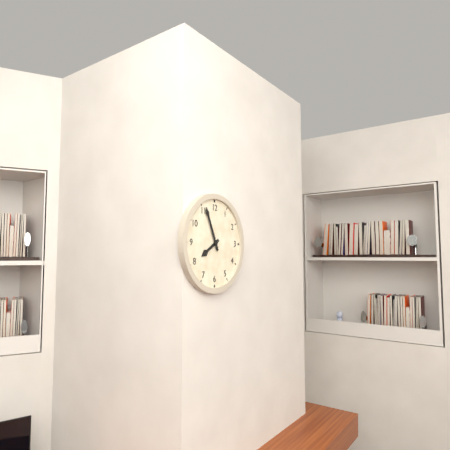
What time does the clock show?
7:56
